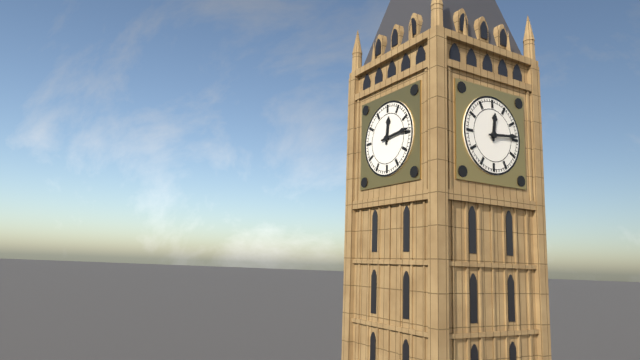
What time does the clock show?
12:14
